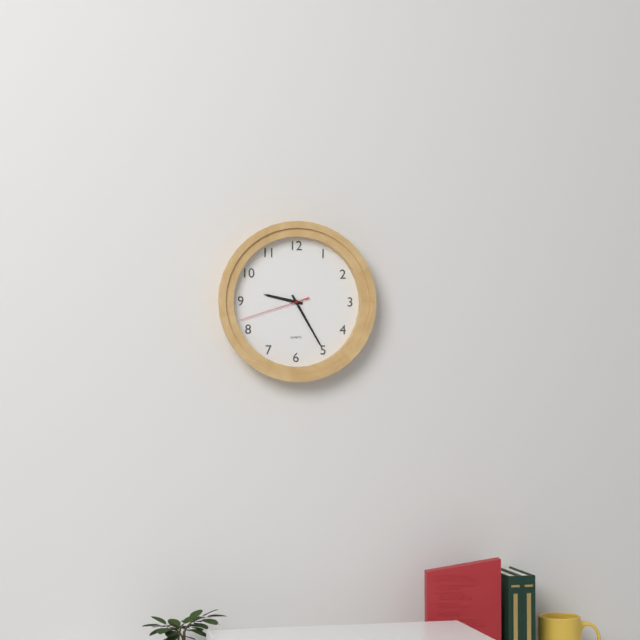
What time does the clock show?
9:25:42
